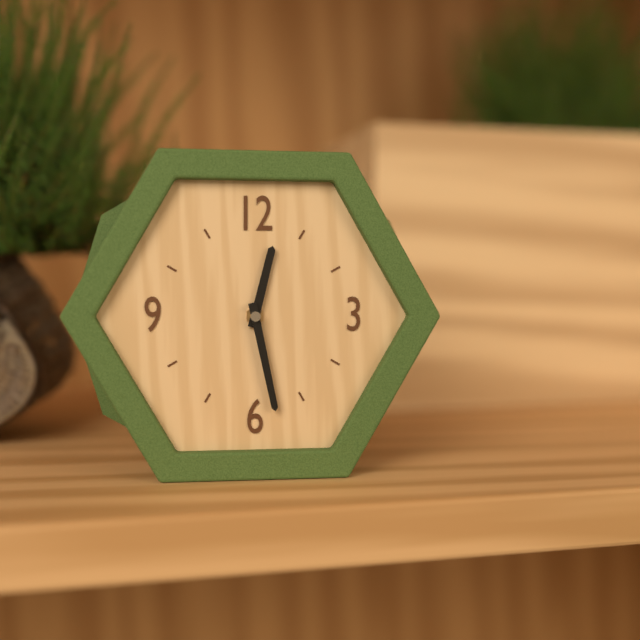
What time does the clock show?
12:28
